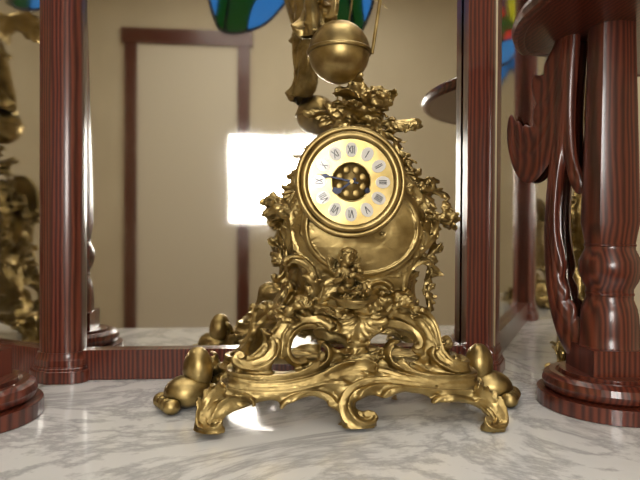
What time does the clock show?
7:47
